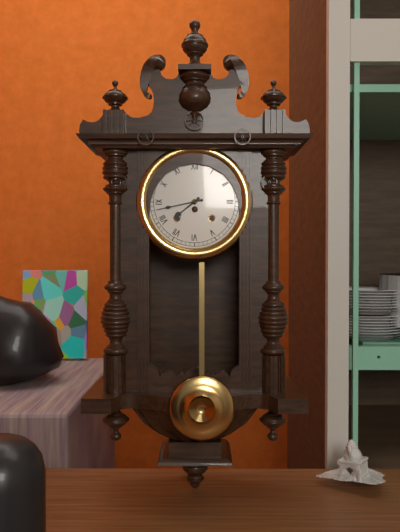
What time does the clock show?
7:43
